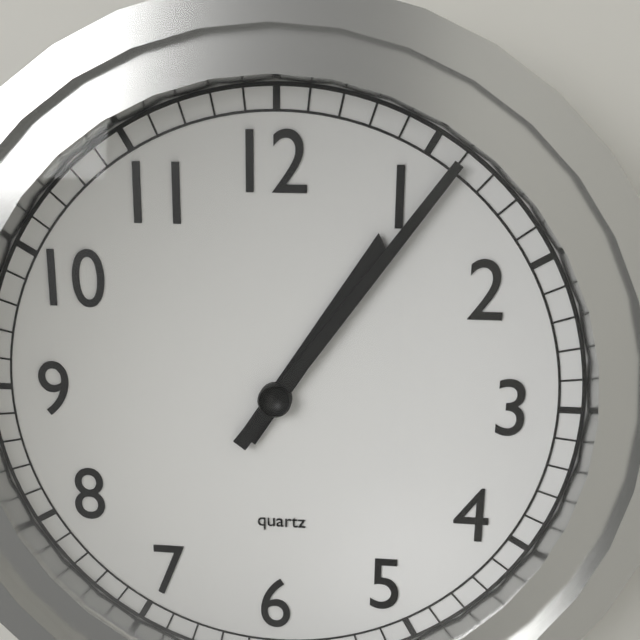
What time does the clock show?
1:06
